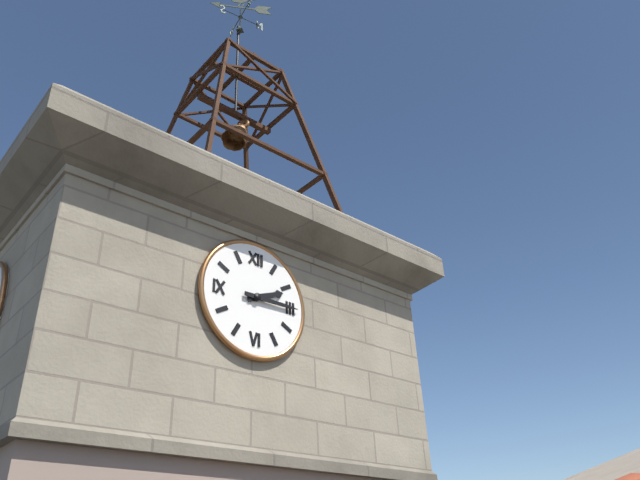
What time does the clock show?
2:15
